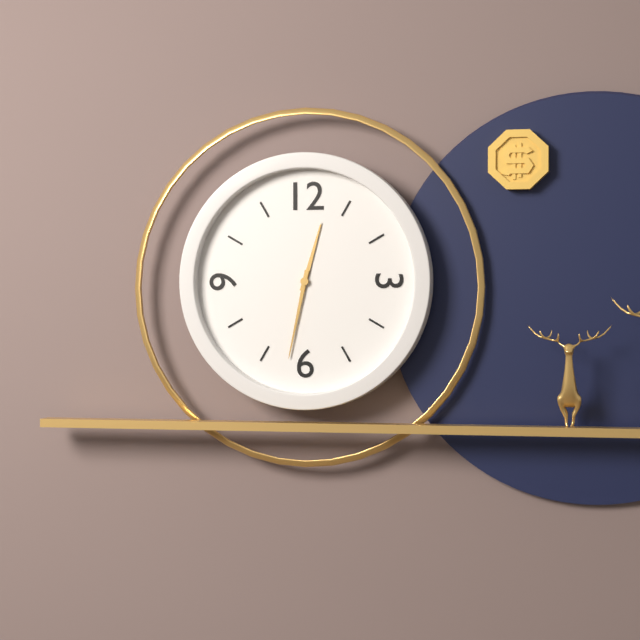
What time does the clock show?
12:32
